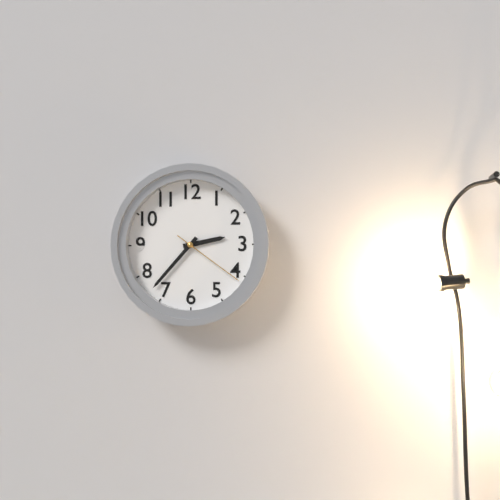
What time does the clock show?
2:37:21
